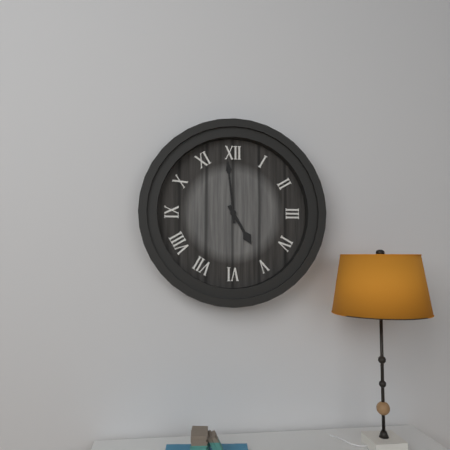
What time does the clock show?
4:59
